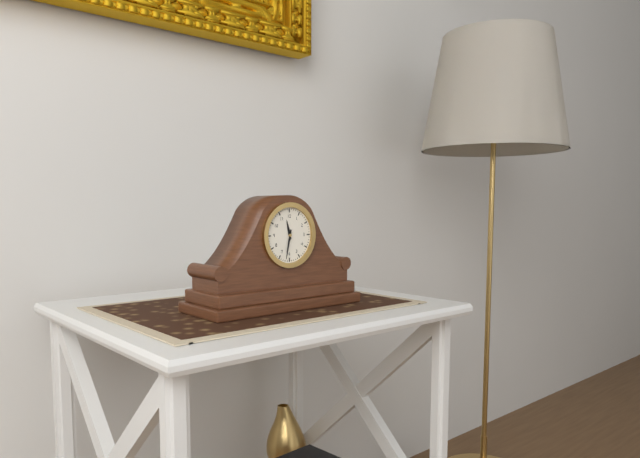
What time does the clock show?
11:32
